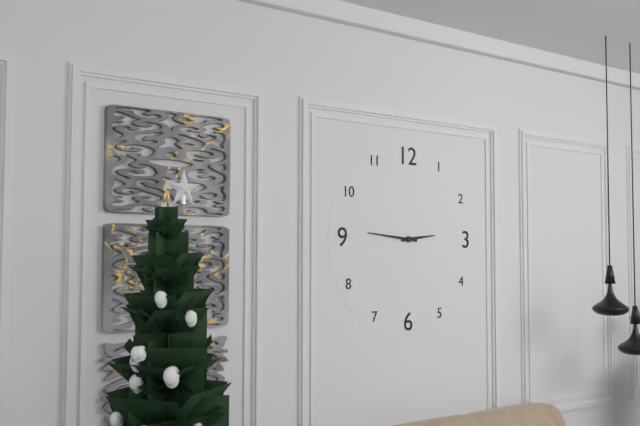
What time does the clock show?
2:46
